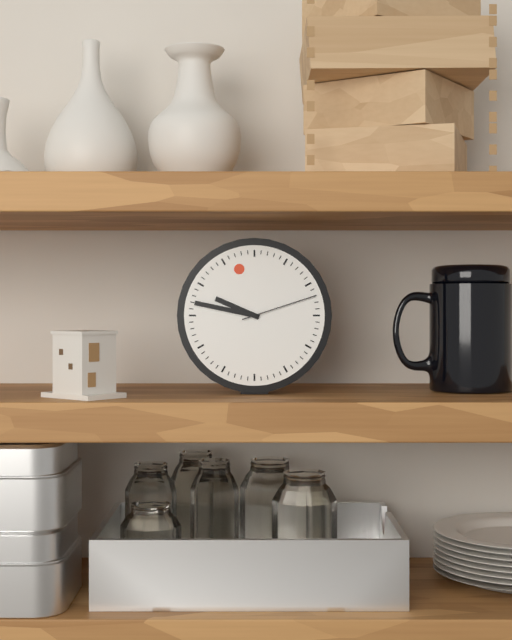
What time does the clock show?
9:47:12
